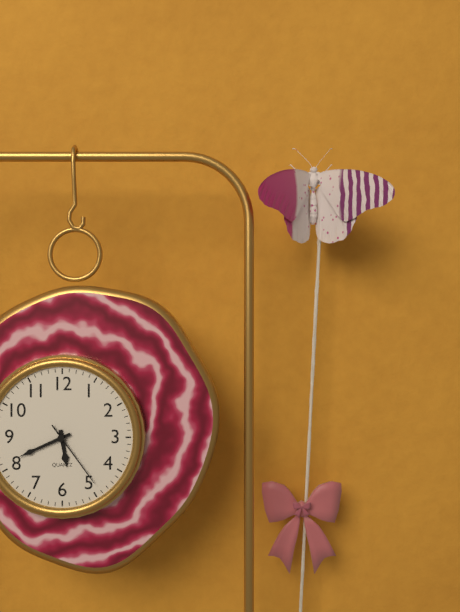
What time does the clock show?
5:41:24
